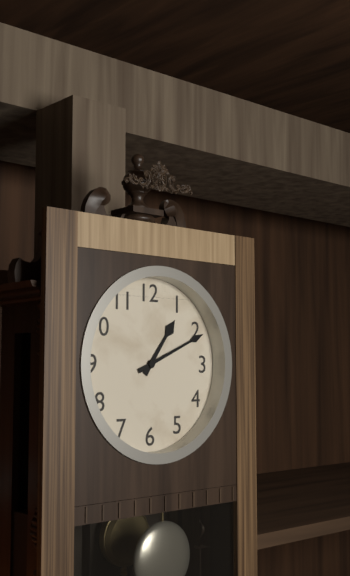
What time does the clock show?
1:11
